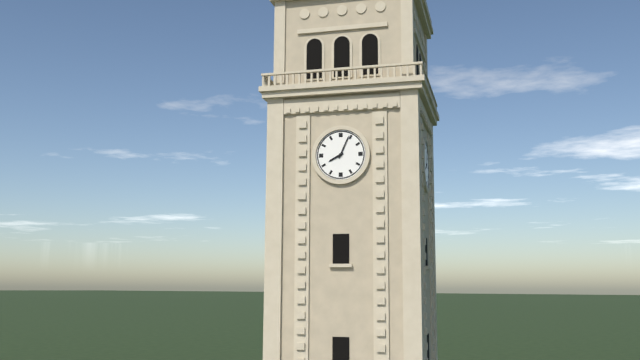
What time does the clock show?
8:04
